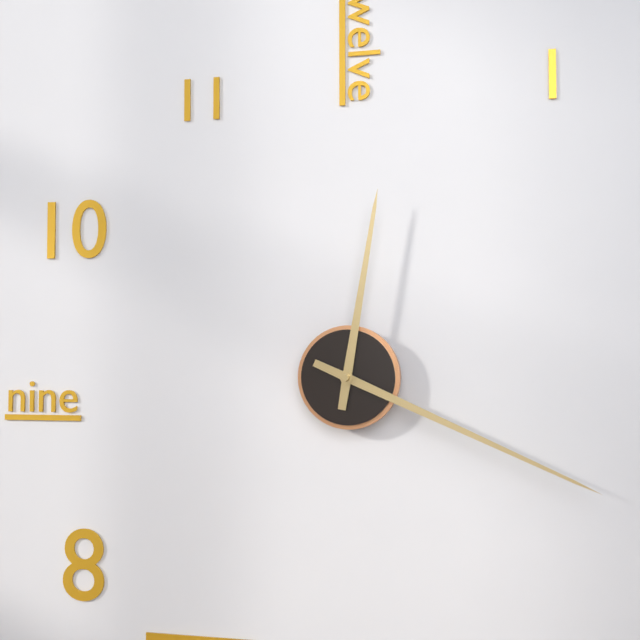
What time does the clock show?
12:19
